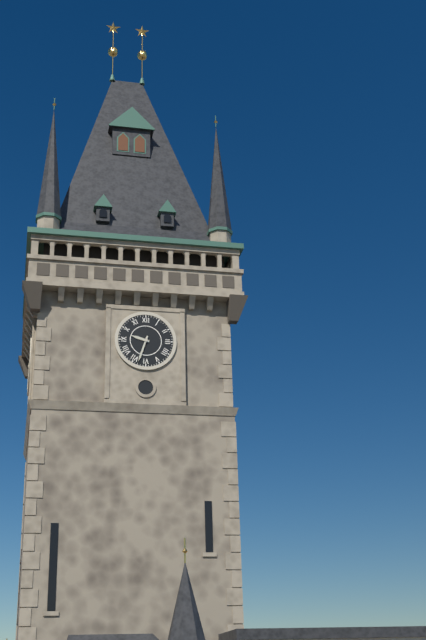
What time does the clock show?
9:33
